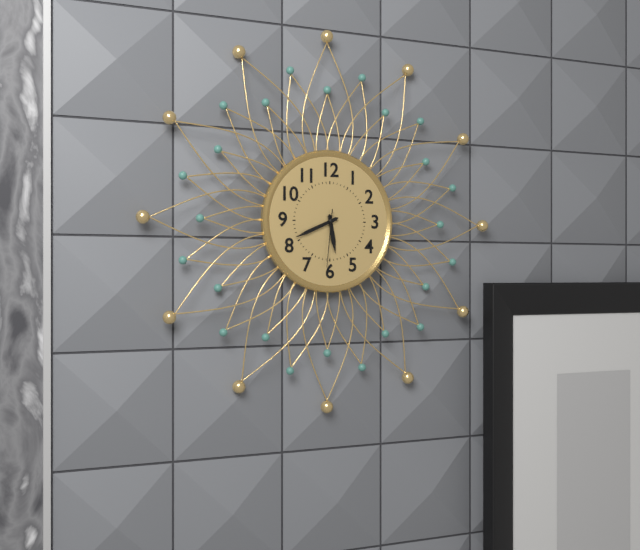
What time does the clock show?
5:41:31
